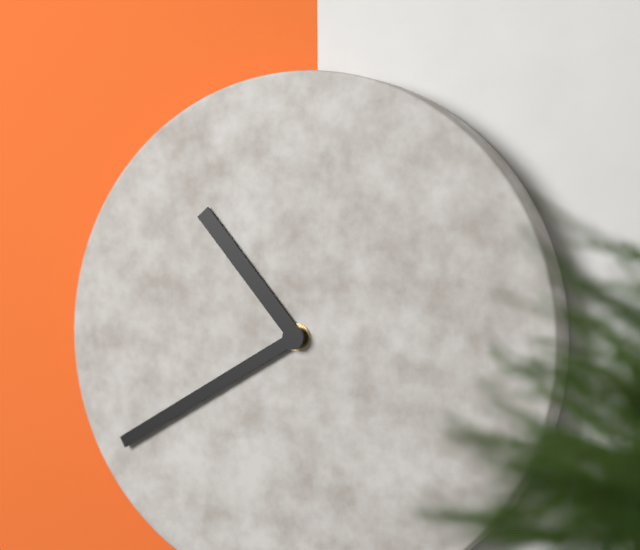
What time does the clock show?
10:40
